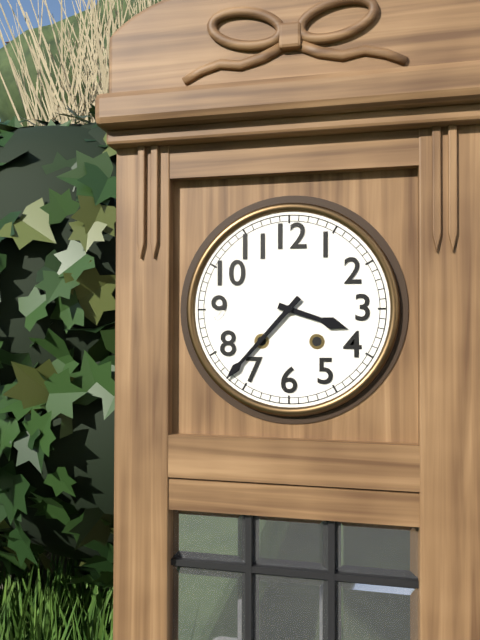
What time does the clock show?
3:37
